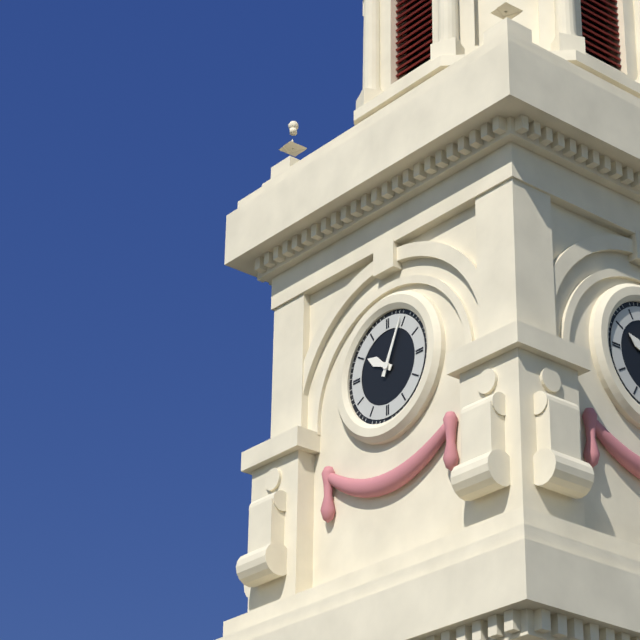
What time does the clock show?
10:04
